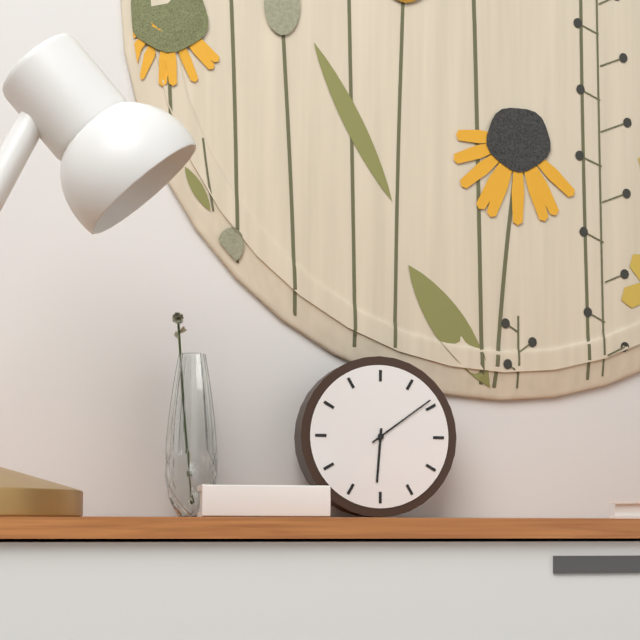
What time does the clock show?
6:09
